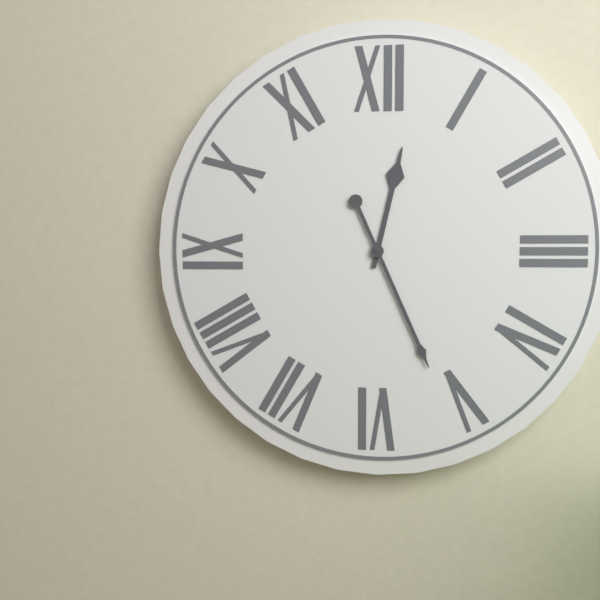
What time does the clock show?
12:26
